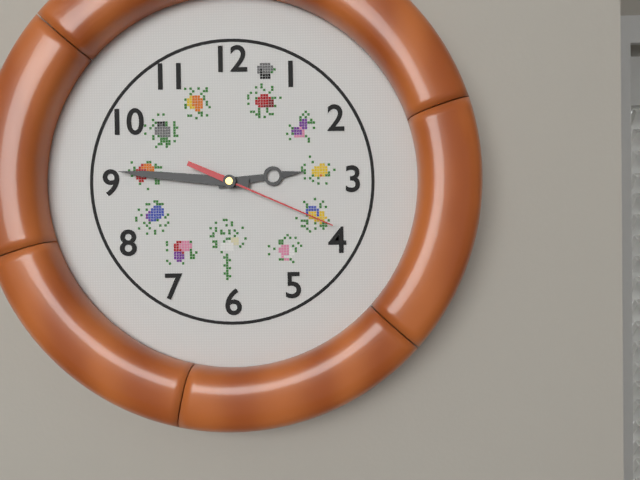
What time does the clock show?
2:46:19
